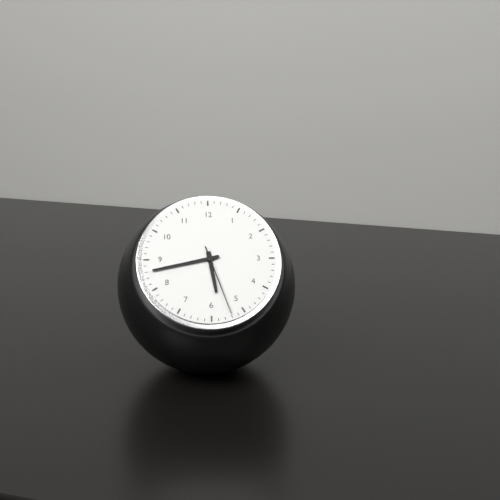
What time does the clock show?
5:43:27
